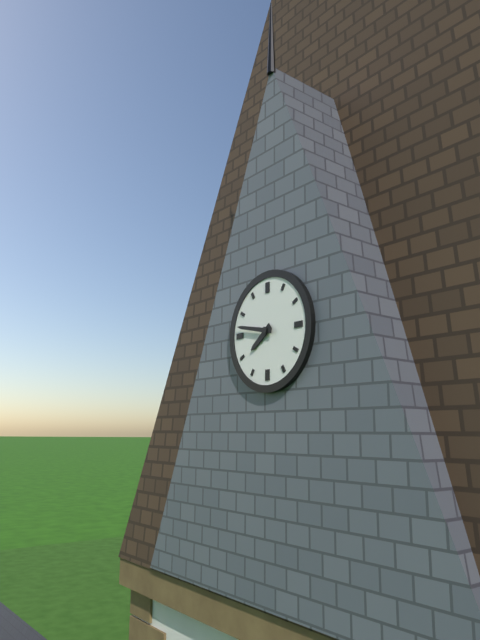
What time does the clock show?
7:47
